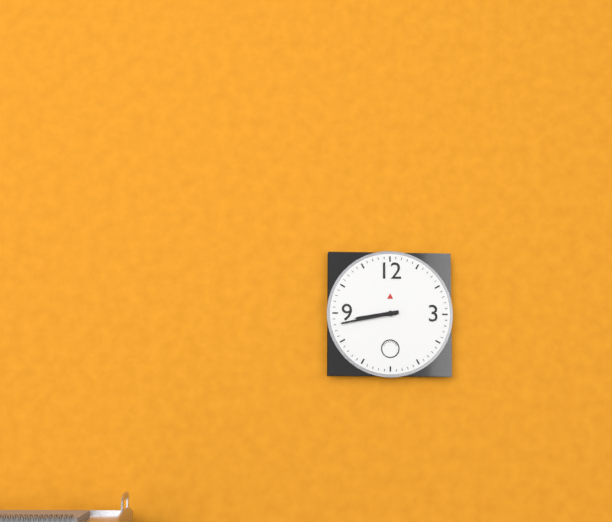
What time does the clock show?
8:43
